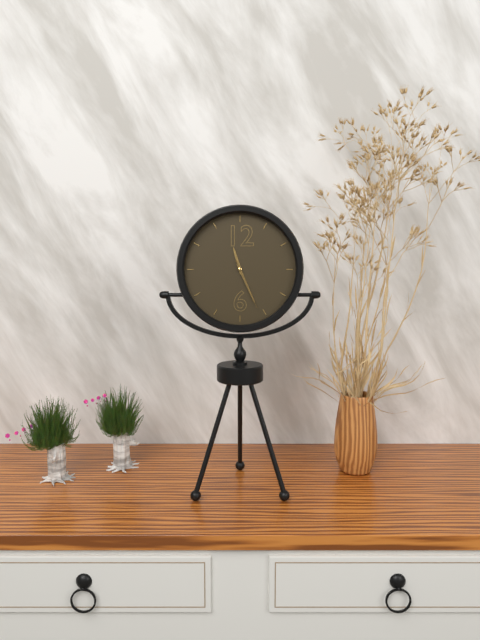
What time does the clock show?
11:26:26
